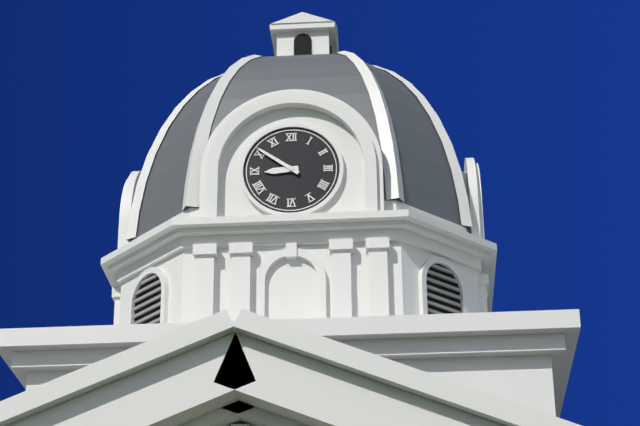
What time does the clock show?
8:51
